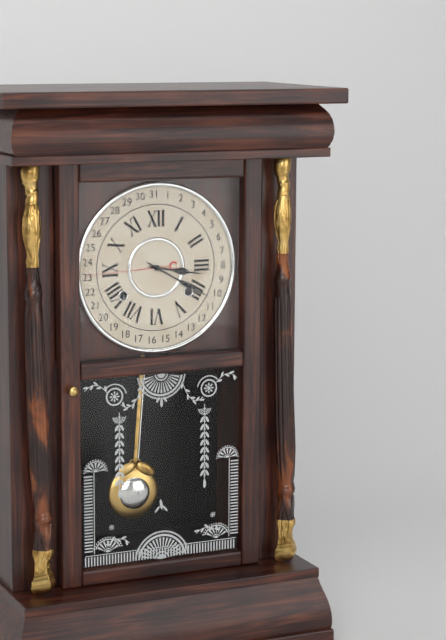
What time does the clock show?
3:20
